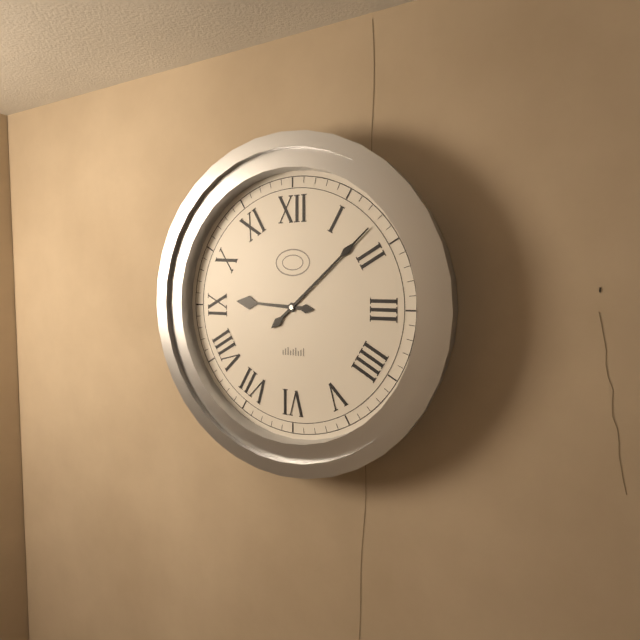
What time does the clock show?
9:08
